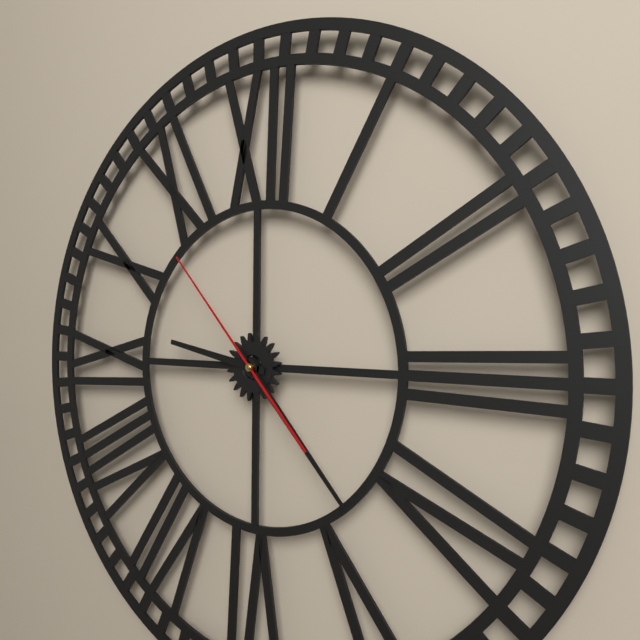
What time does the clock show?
9:23:53
